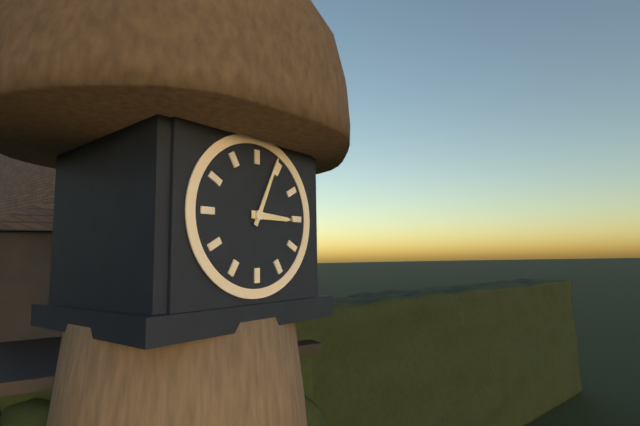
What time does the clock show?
3:04
